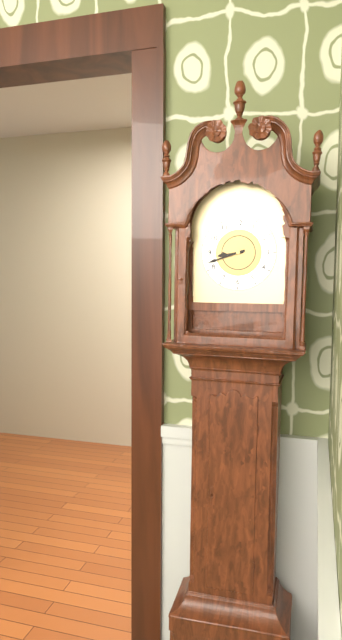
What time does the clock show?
8:42
